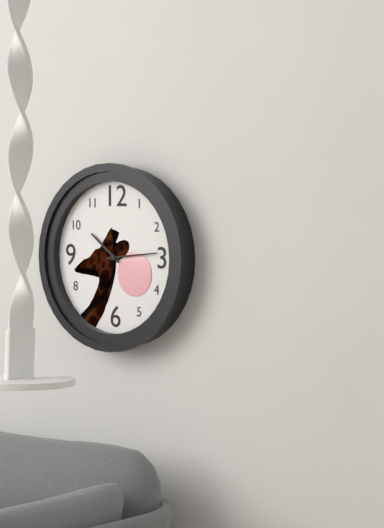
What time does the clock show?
10:14
